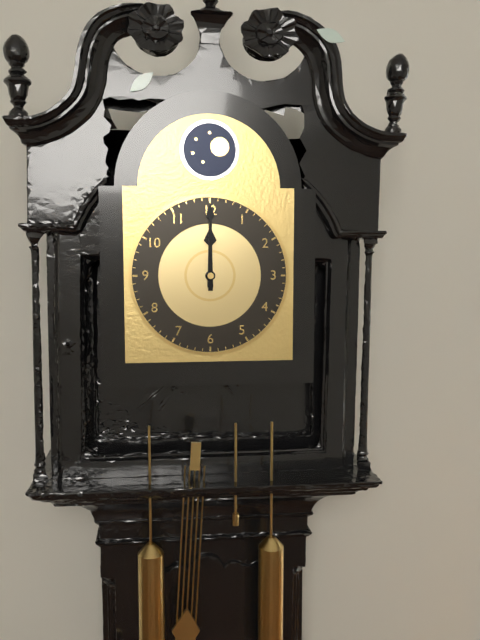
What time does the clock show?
12:00
